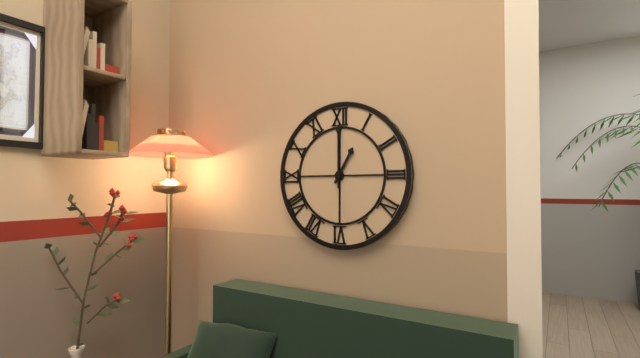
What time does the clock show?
1:00
